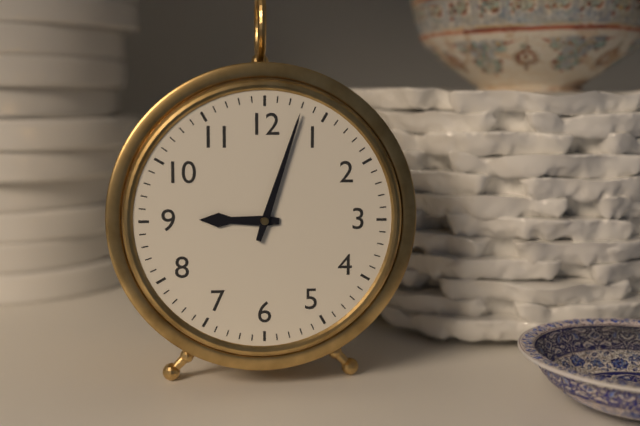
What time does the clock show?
9:03
